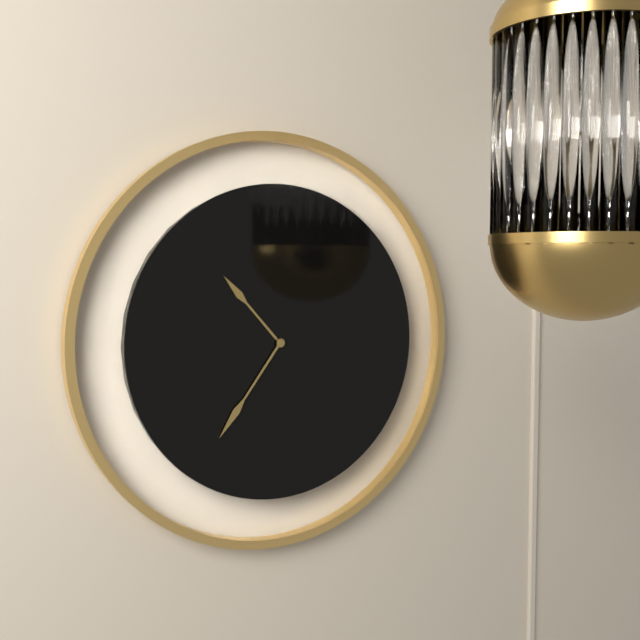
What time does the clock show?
10:36
